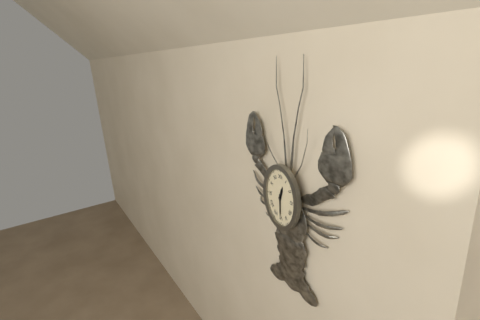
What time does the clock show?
12:30
